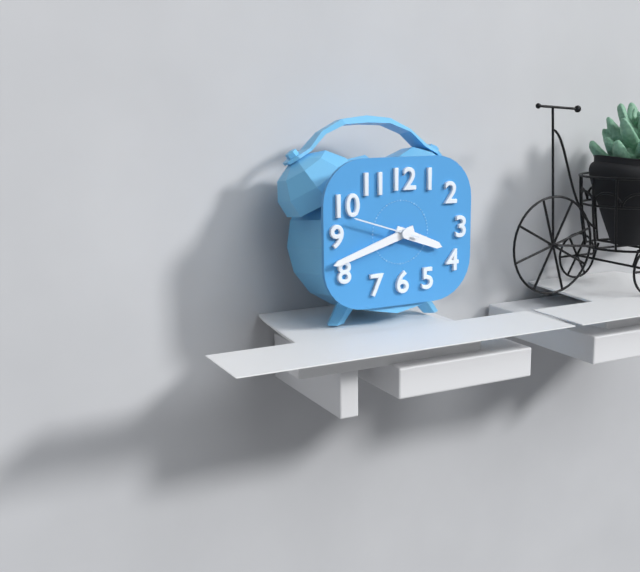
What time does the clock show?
3:42:48
